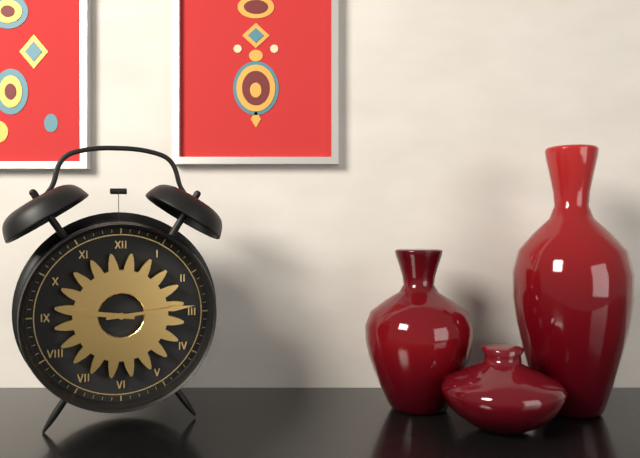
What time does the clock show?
9:14
